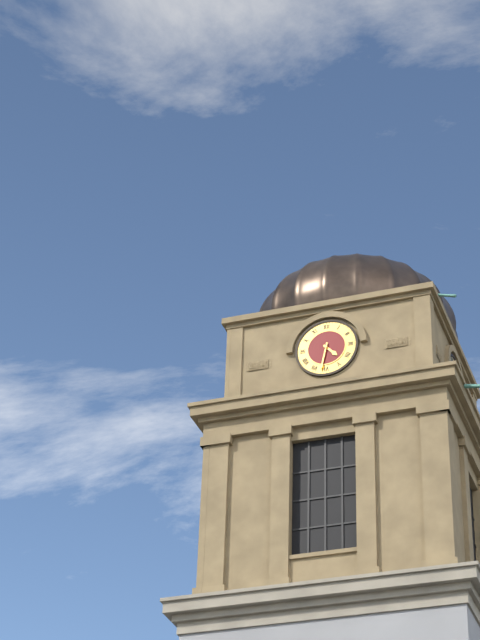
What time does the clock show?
4:32
